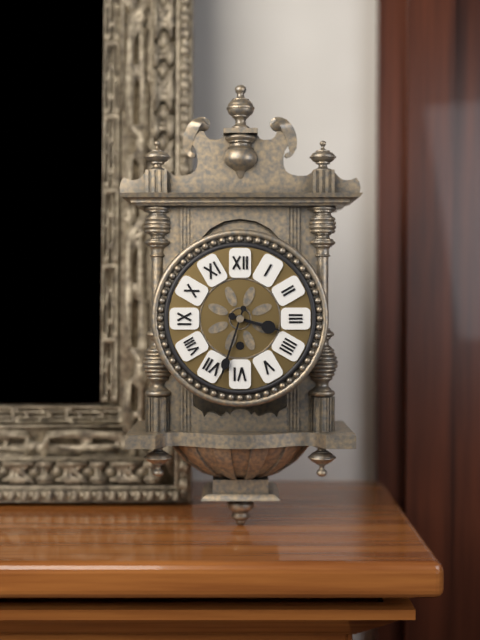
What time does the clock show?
3:33
